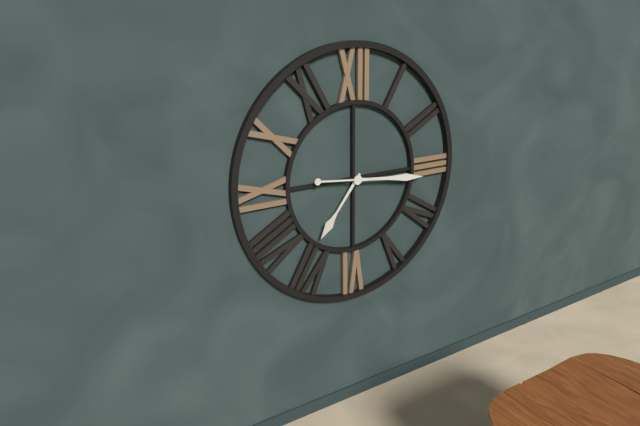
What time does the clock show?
7:16
